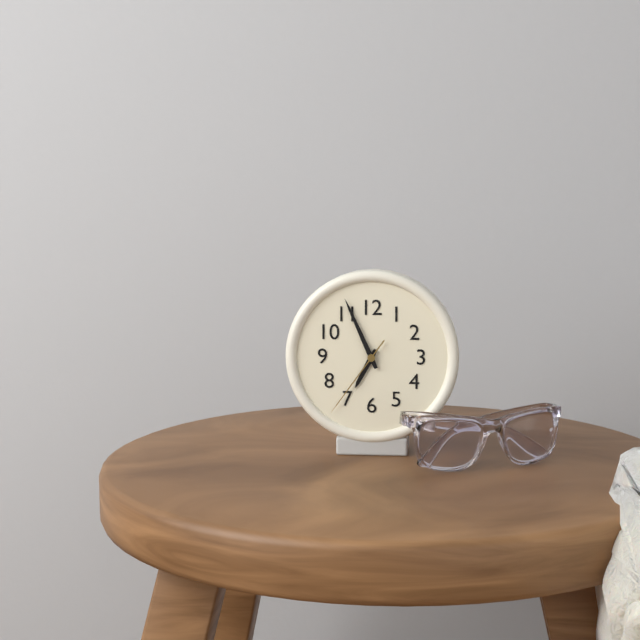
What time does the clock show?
6:56:36
